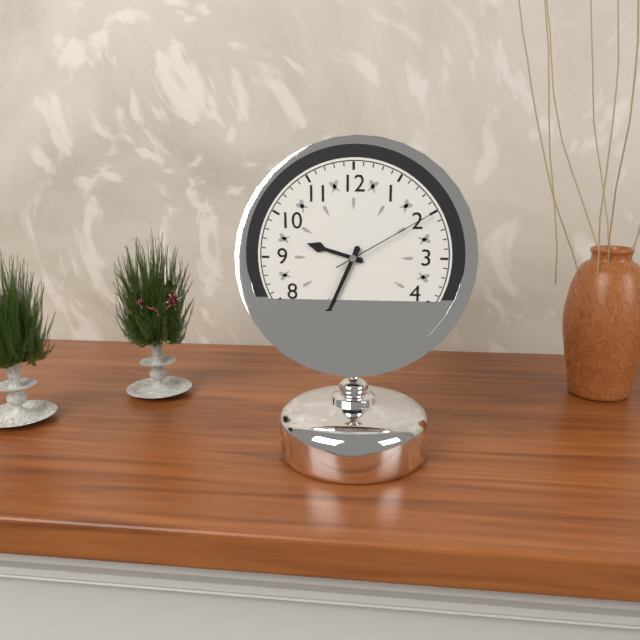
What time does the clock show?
9:34:10
